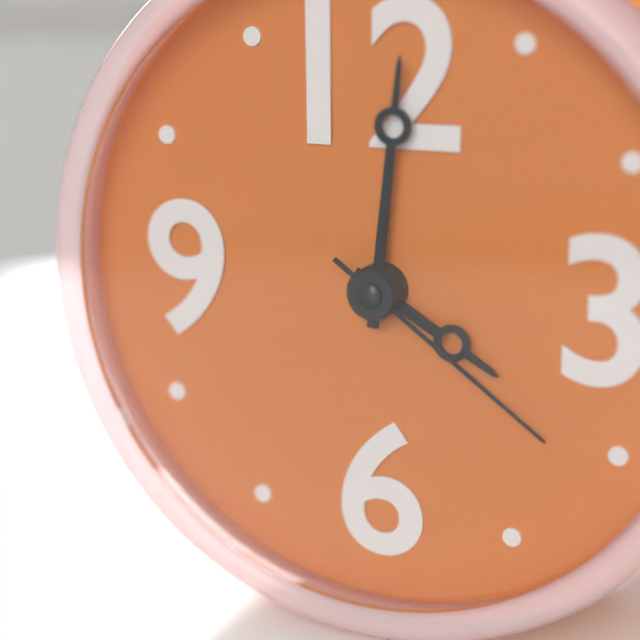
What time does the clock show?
4:01:21
